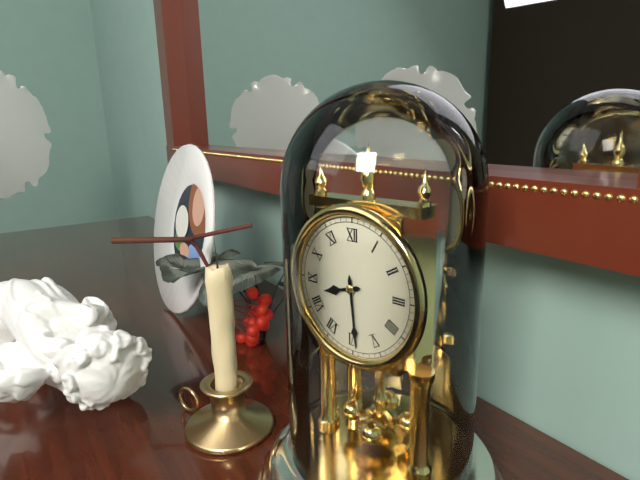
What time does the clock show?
8:29
